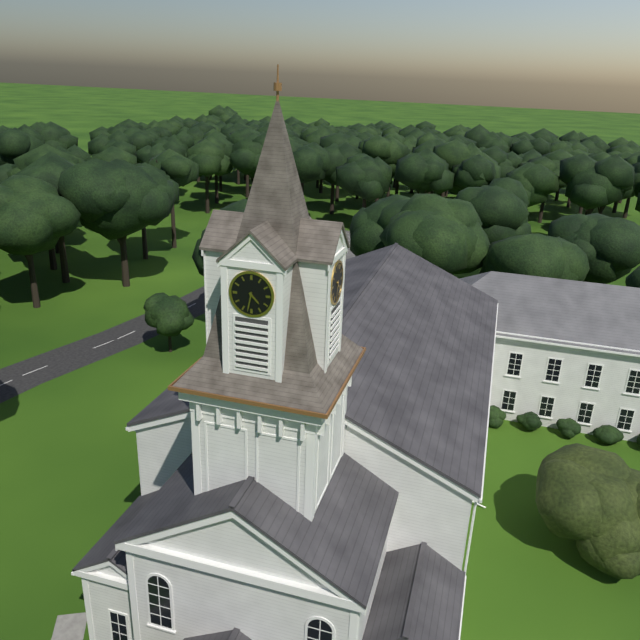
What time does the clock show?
4:32
